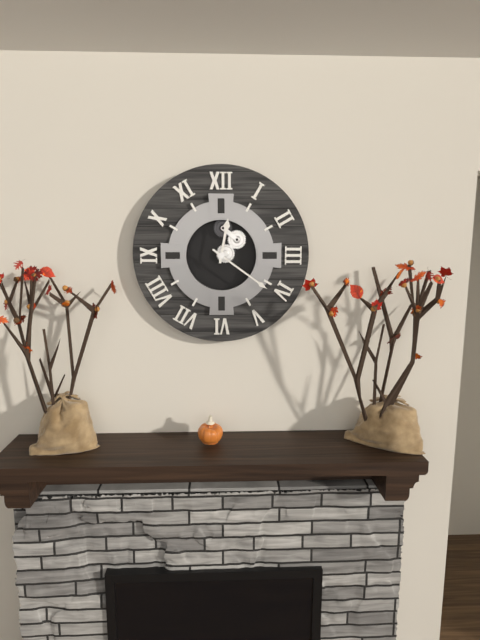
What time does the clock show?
12:21
